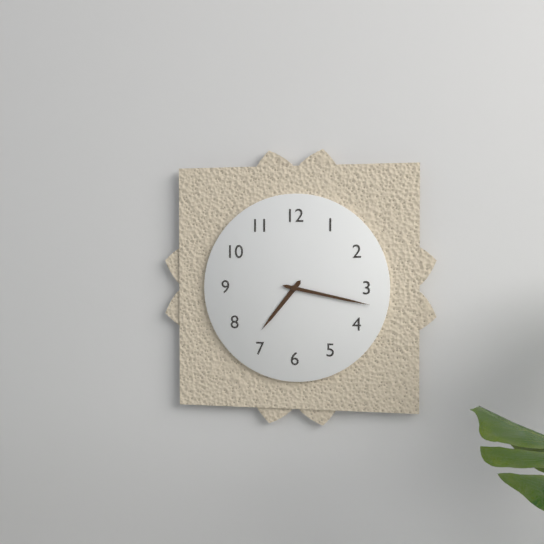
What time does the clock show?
7:17
